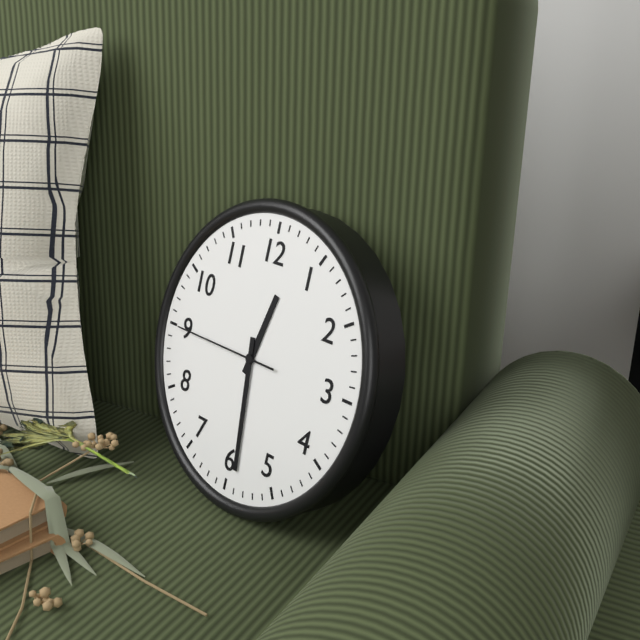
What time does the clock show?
12:29:45
